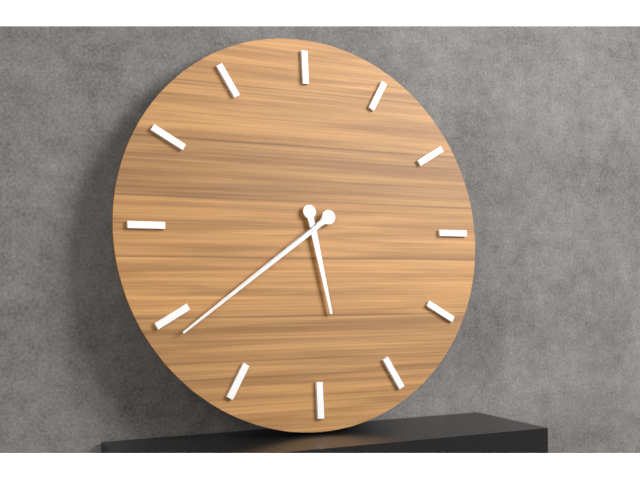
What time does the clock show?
5:39
